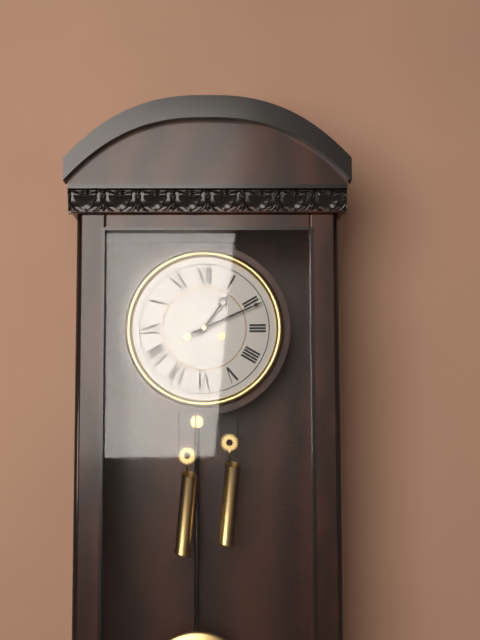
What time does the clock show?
1:11
